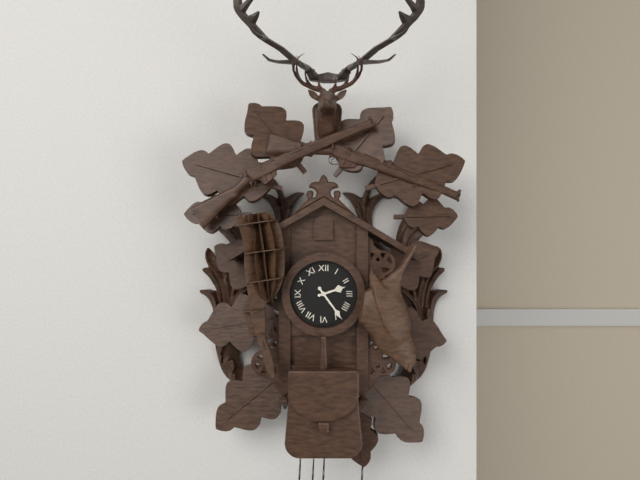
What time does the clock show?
2:24
